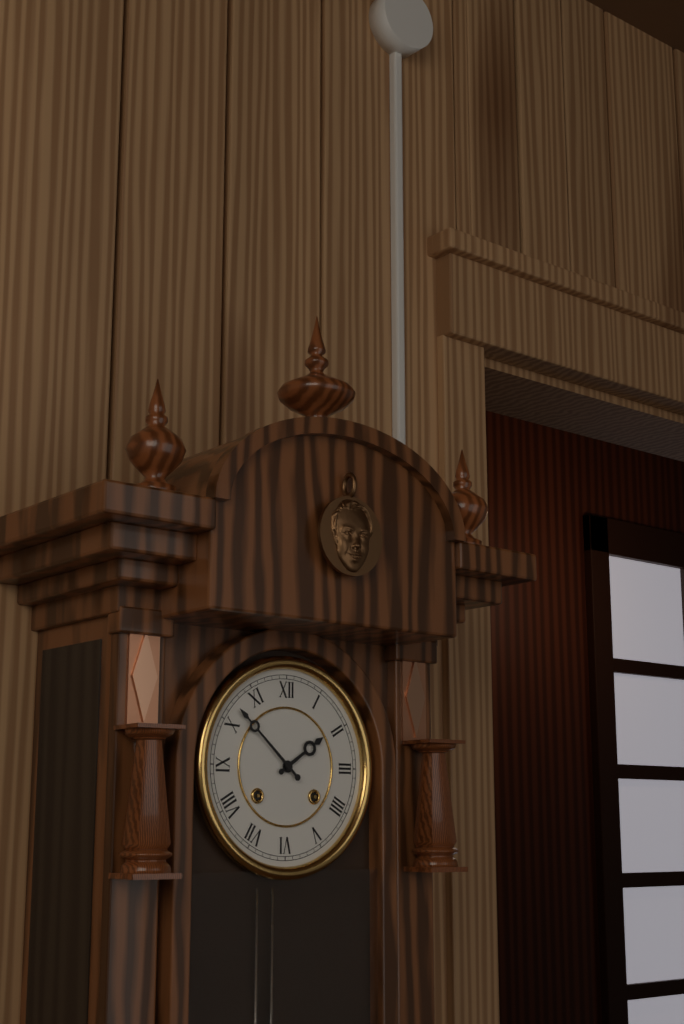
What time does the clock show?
1:52
